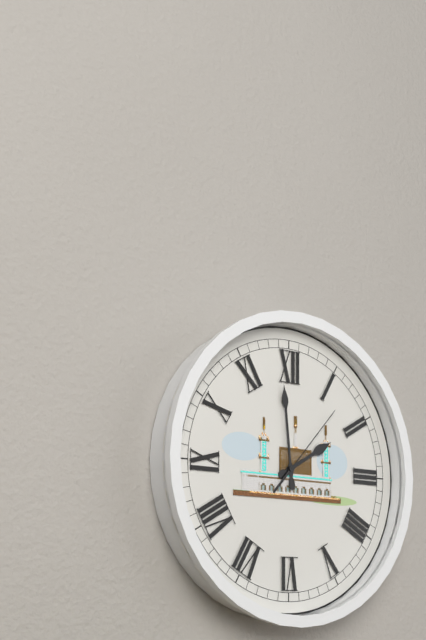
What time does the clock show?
1:59:07
